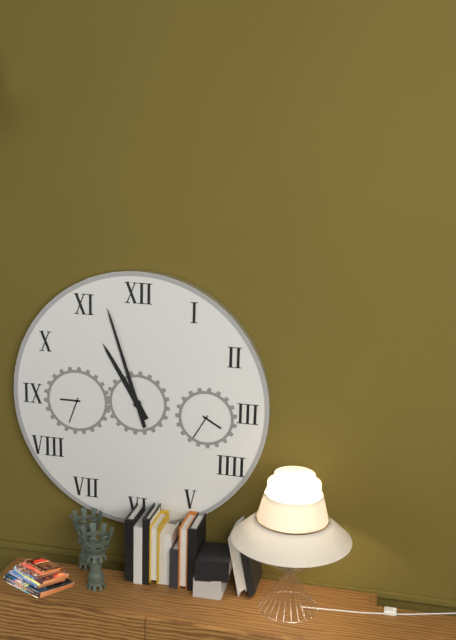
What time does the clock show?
10:57
